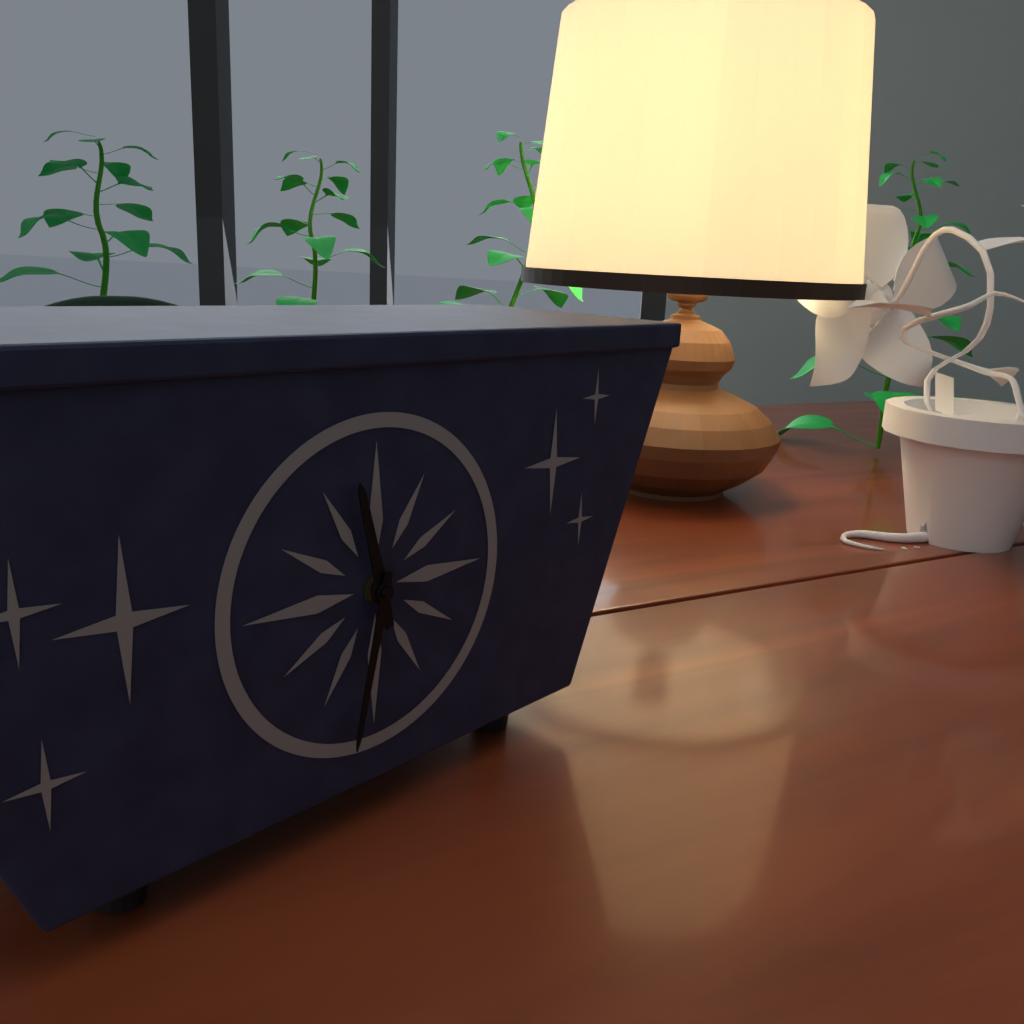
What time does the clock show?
11:32
